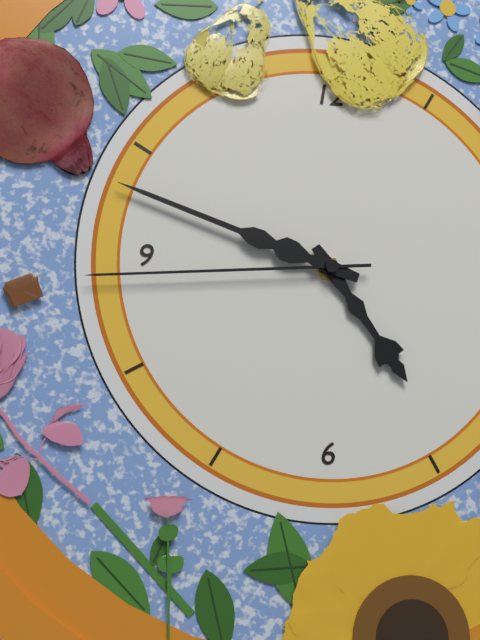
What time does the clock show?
4:48:44
